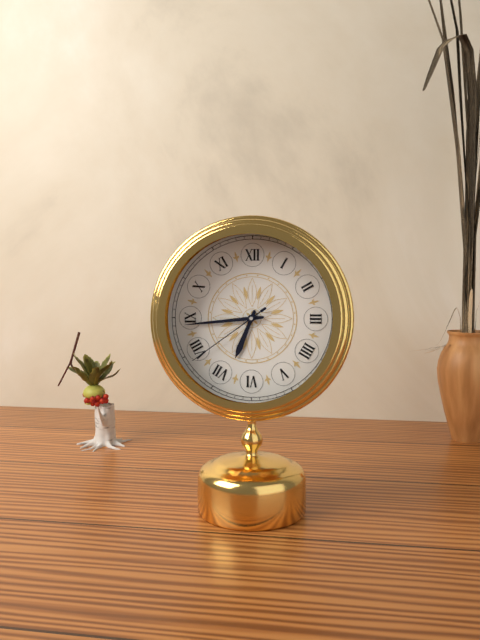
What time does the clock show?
6:44:39
